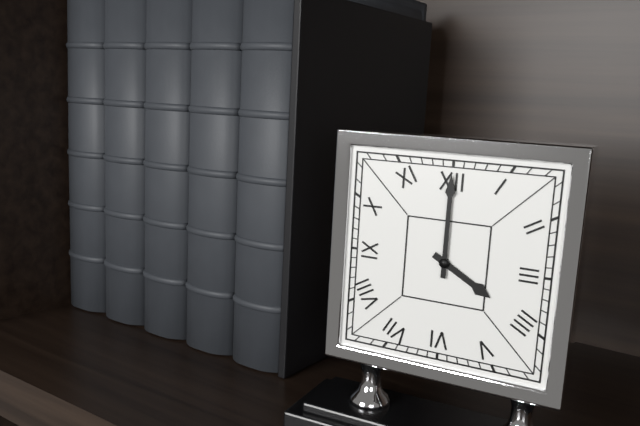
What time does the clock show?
4:00
